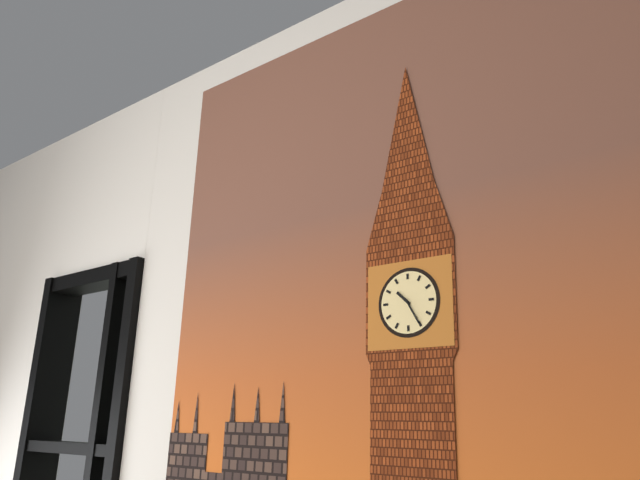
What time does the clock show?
10:25
